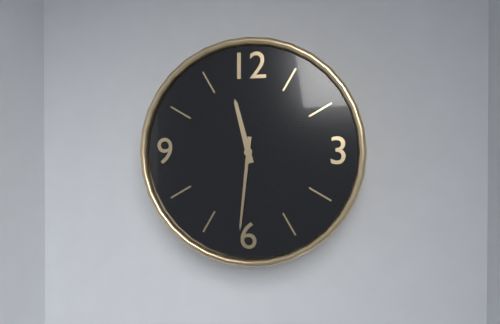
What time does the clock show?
11:31
